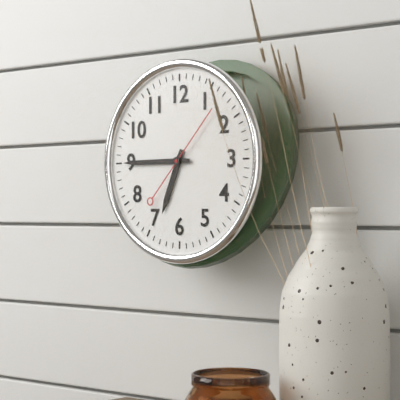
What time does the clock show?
6:45:07
